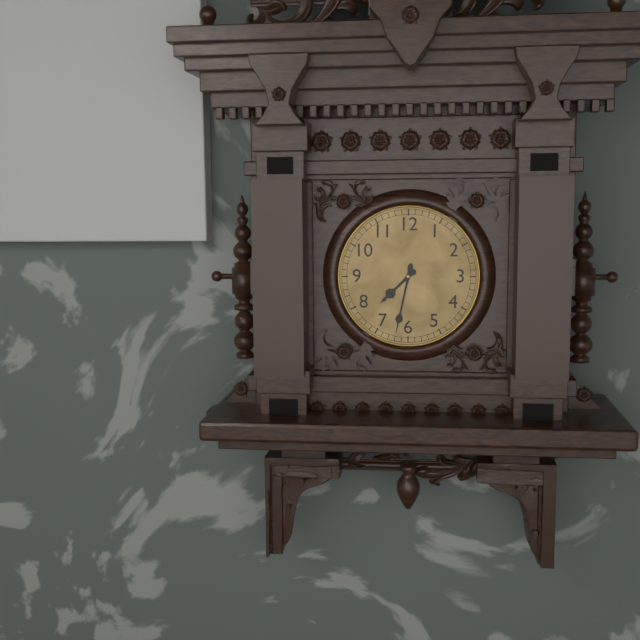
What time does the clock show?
7:32
